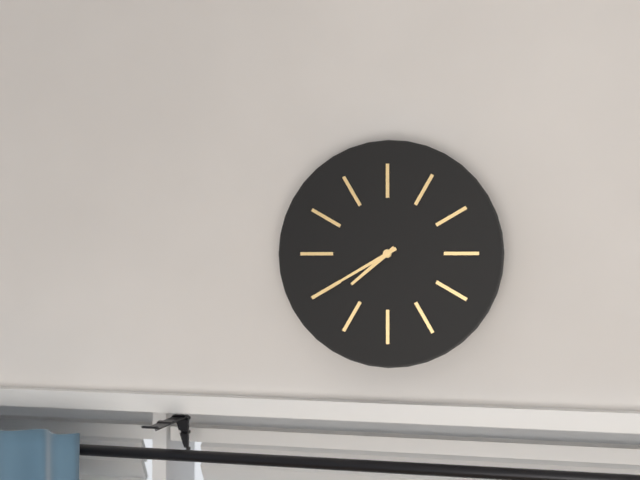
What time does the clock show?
7:40
